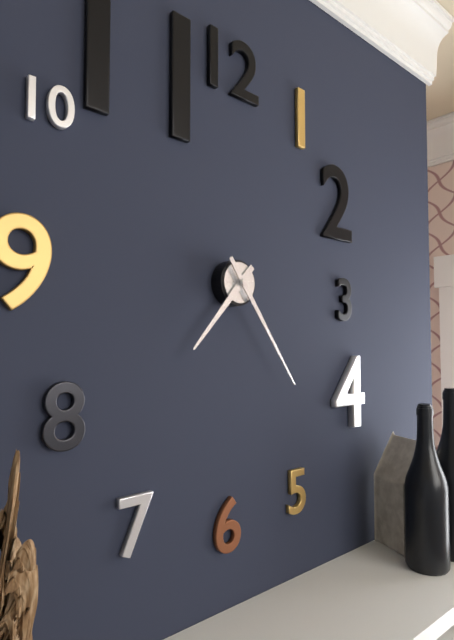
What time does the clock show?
7:24
